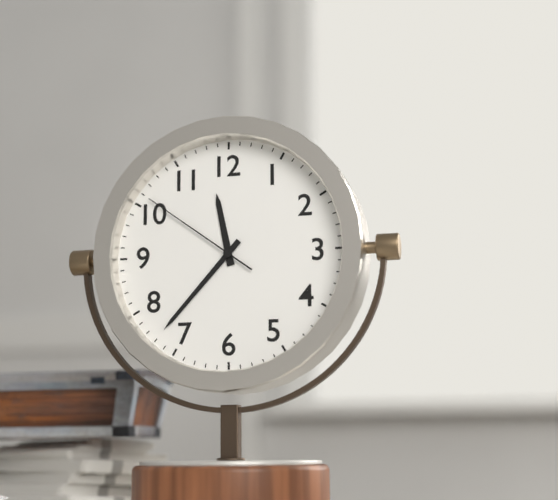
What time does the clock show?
11:37:51
